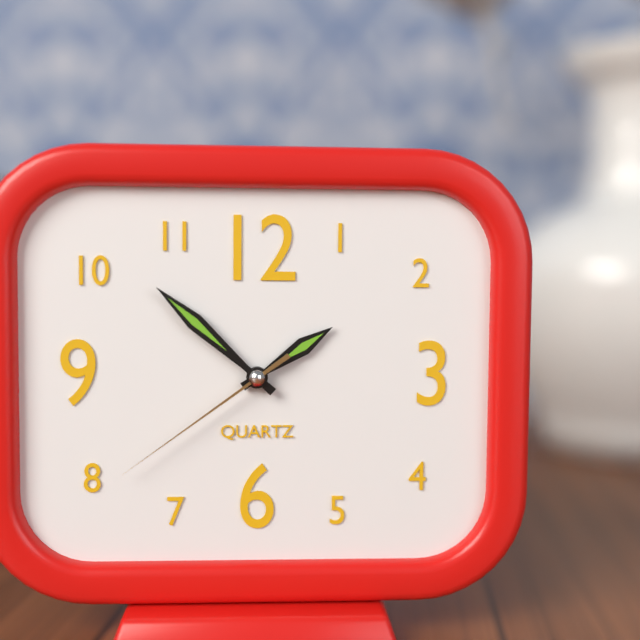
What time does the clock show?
1:52:39
